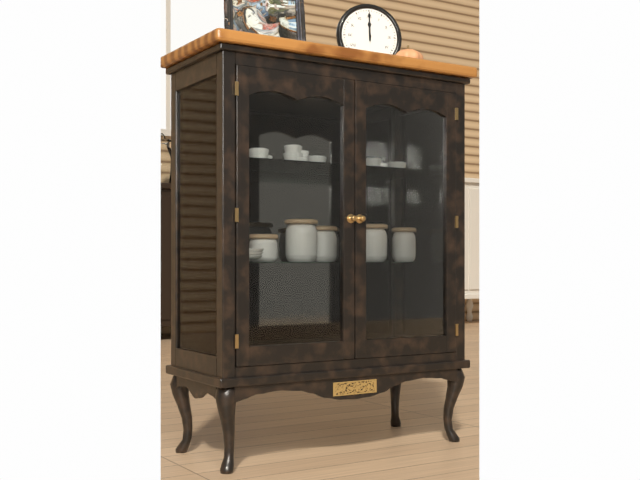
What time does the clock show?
12:00
